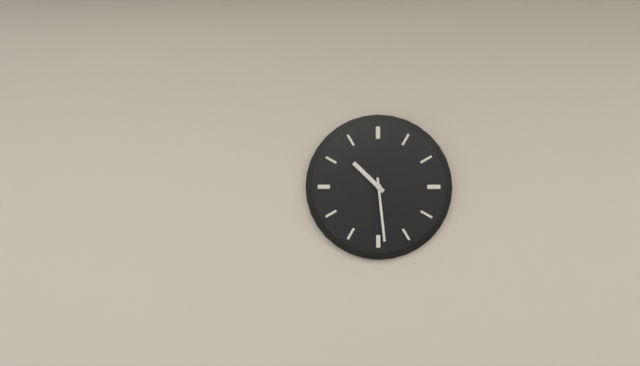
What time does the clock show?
10:29
